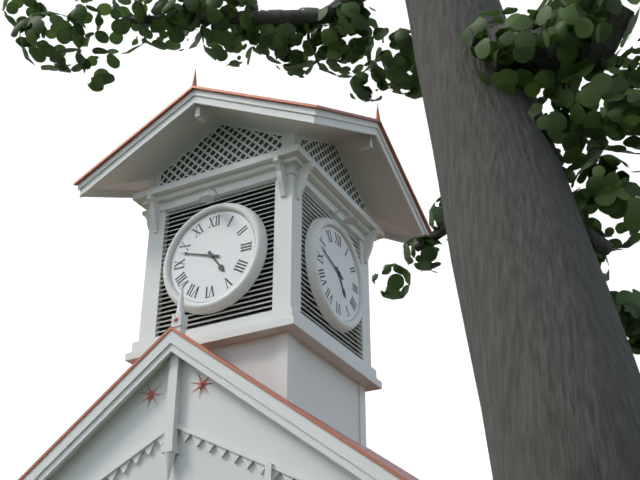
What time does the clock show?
4:48
